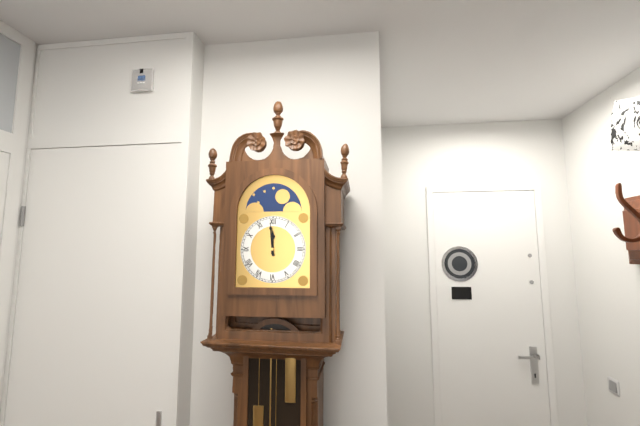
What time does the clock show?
11:59
